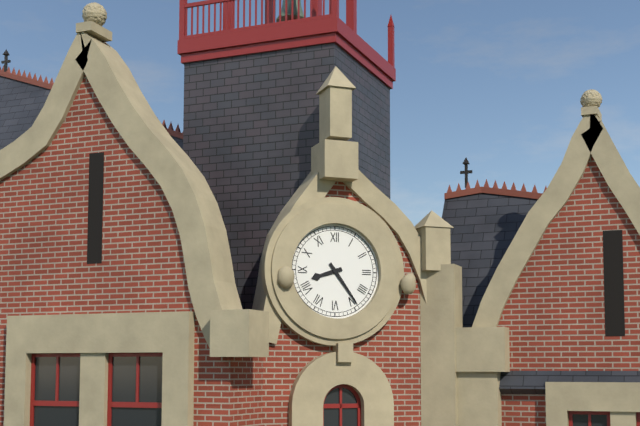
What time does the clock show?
8:24
